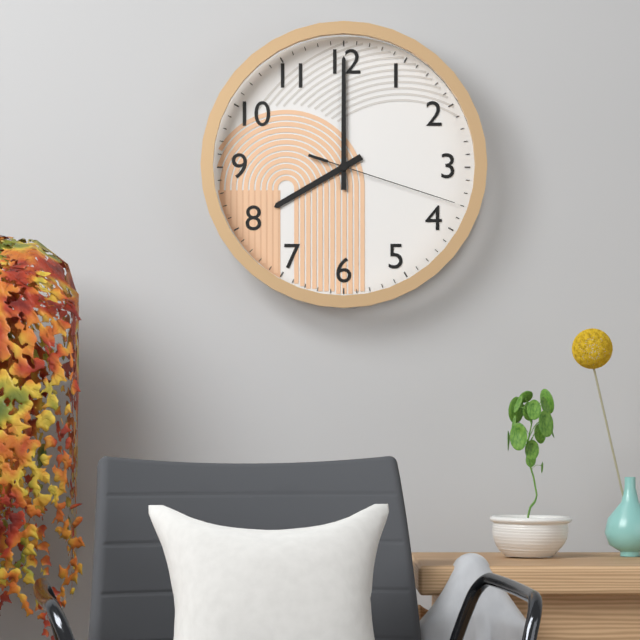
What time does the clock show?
8:00:18
